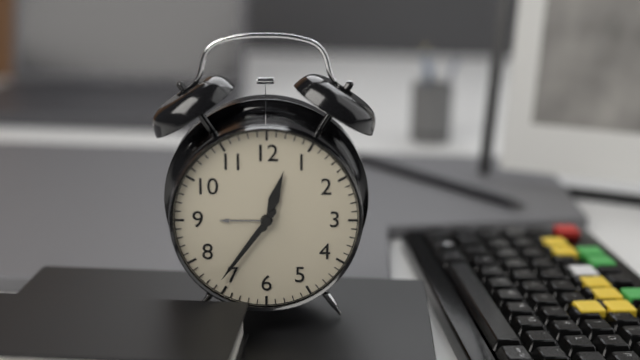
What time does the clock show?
12:36
